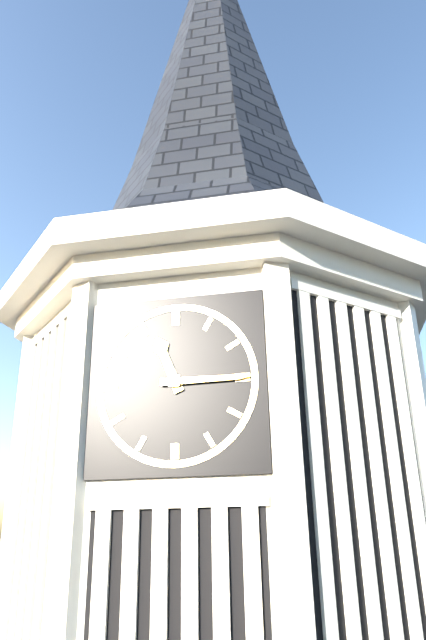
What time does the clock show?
11:15
